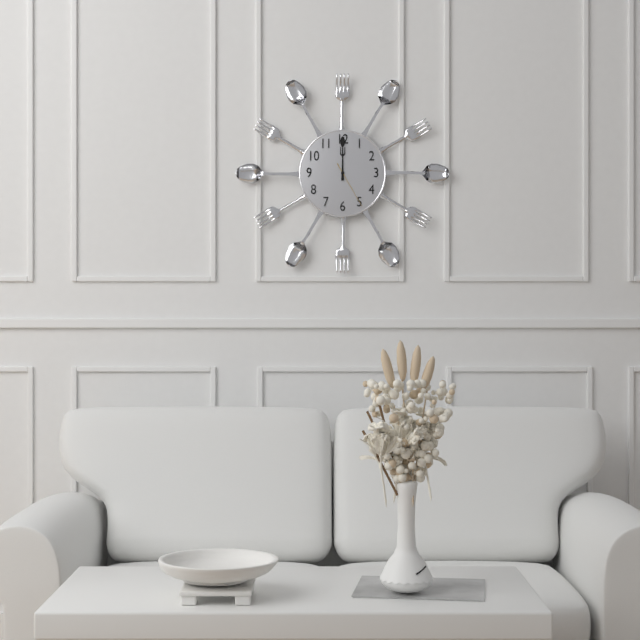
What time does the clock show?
12:00
